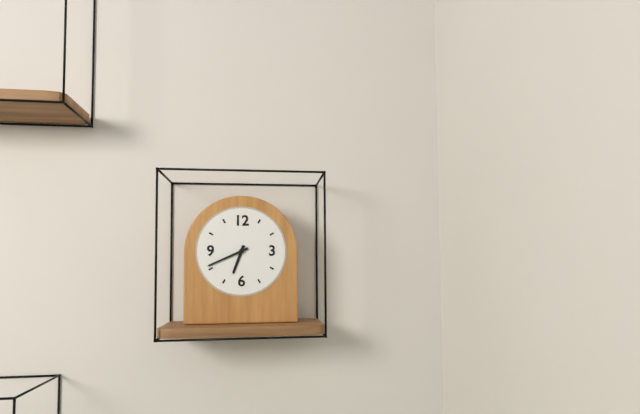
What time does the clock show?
6:41
